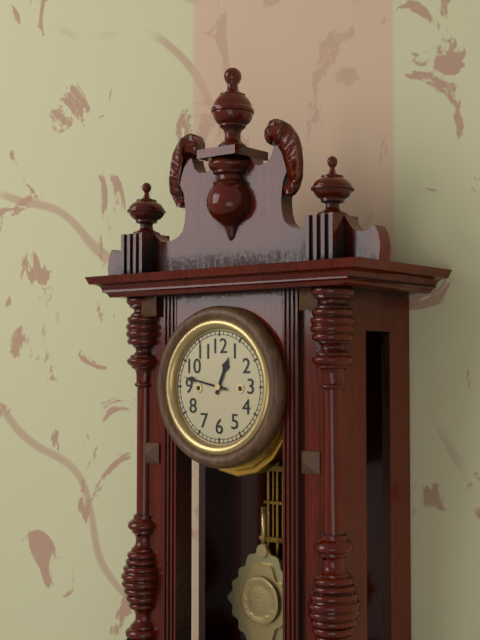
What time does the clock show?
12:47
